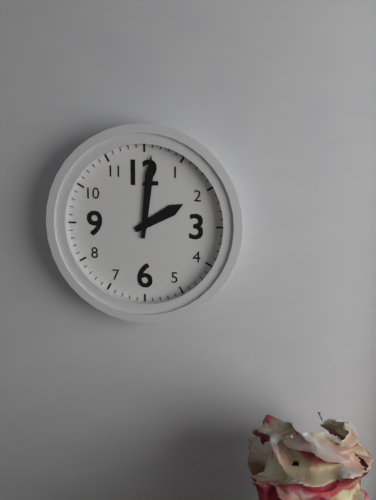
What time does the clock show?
2:01
